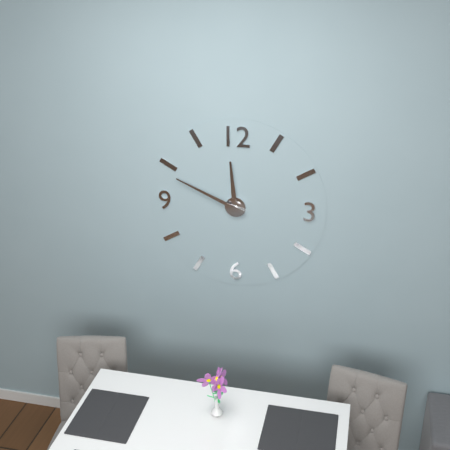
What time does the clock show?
11:49
